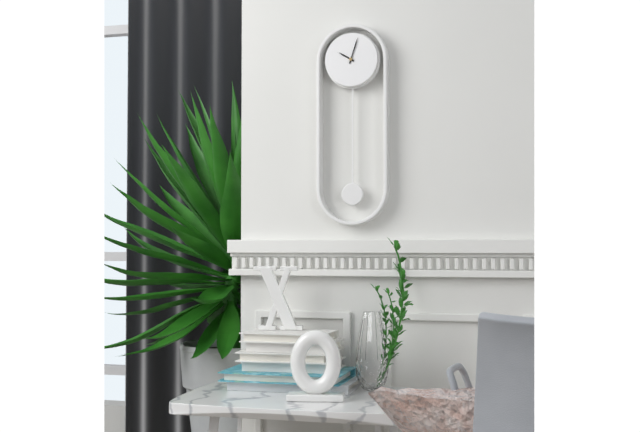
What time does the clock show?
10:03
